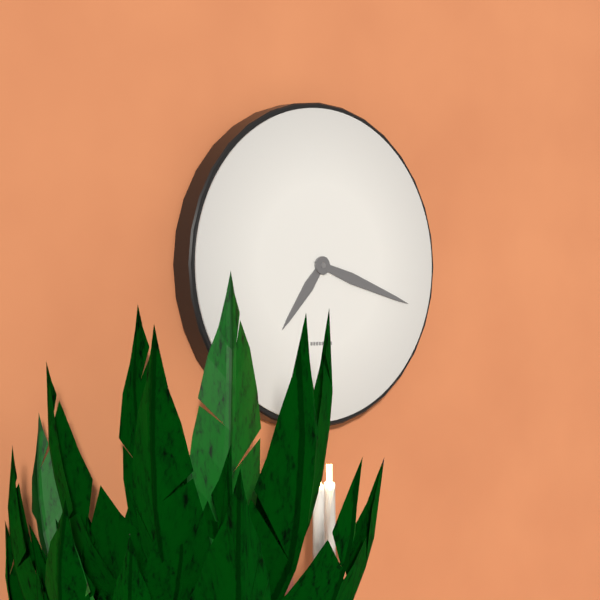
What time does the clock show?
7:18
